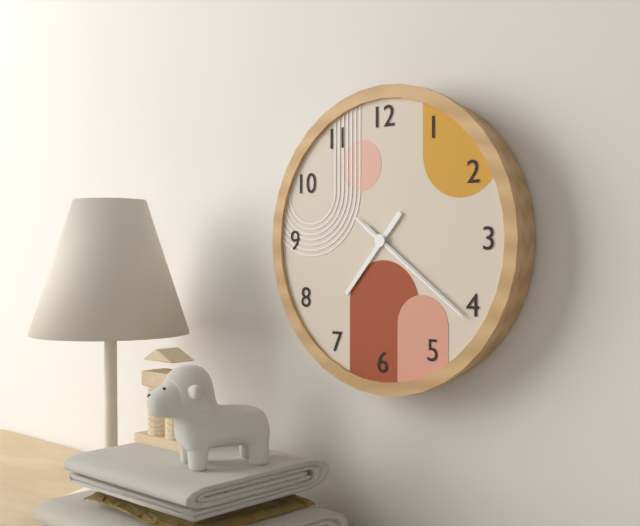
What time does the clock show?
7:21:21
